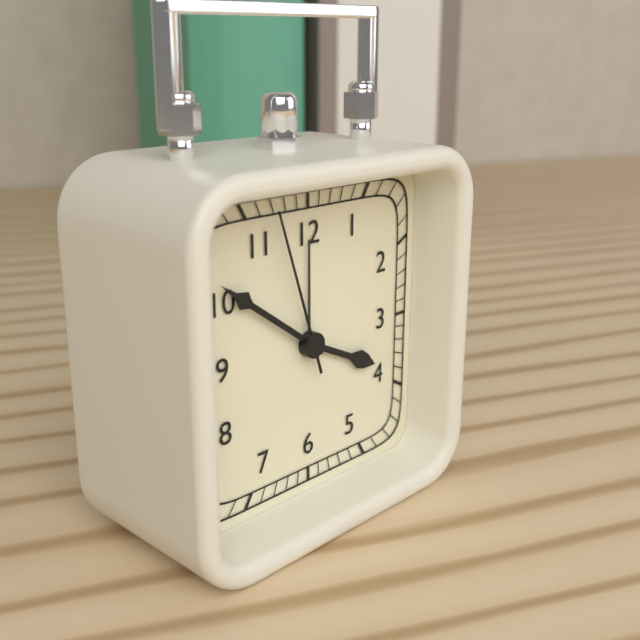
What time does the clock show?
3:51:57
